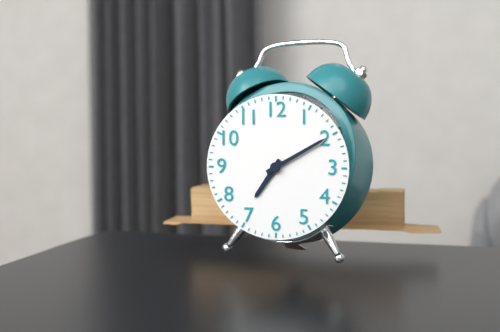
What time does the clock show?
7:10
